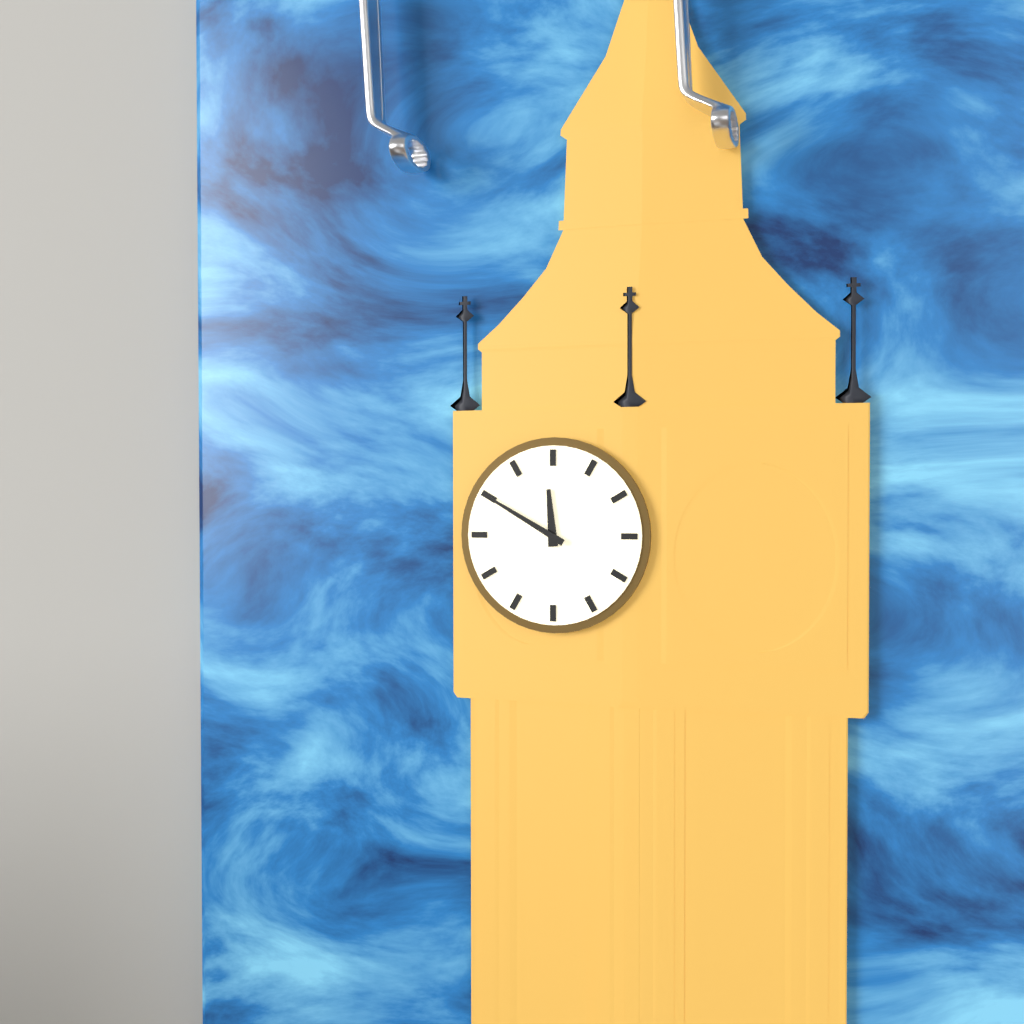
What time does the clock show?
11:50
